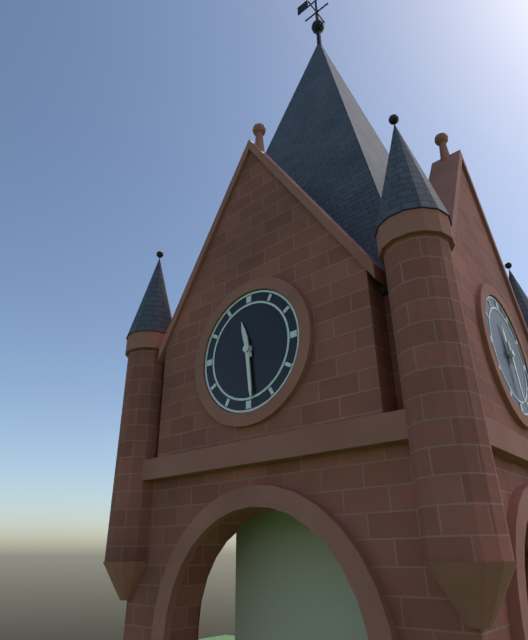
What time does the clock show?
11:29
